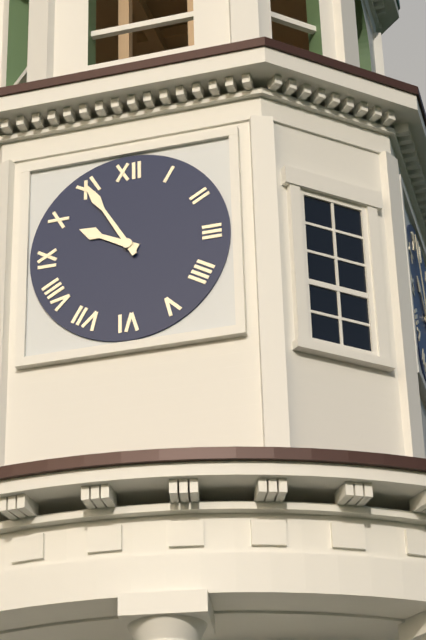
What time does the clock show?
9:55
